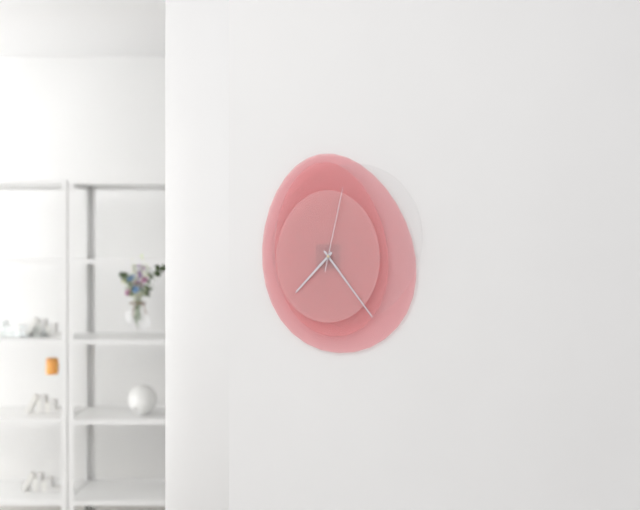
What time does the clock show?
7:24:02
